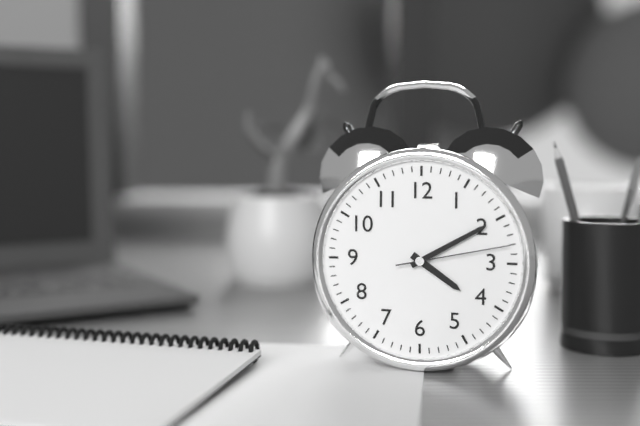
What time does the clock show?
4:10:13
